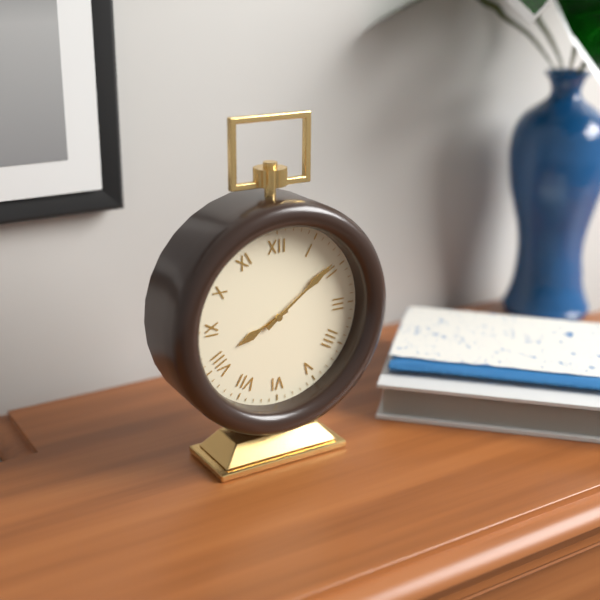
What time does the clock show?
8:09
